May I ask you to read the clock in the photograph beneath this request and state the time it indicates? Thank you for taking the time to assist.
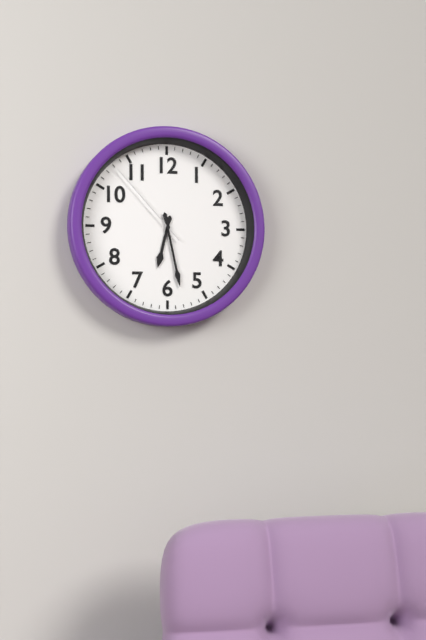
6:28:53
